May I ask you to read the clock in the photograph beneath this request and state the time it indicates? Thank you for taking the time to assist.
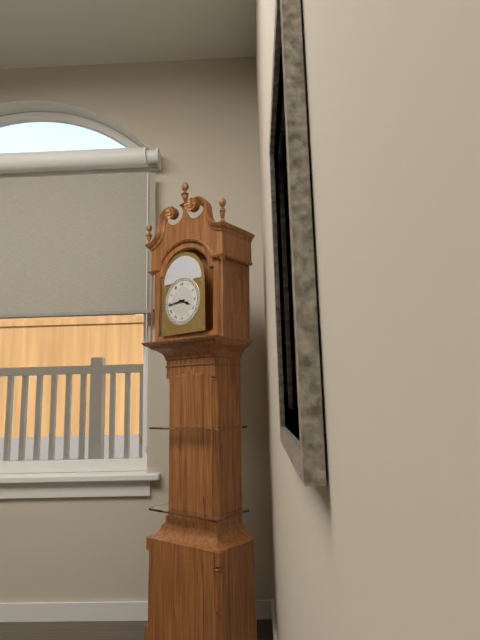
3:44
